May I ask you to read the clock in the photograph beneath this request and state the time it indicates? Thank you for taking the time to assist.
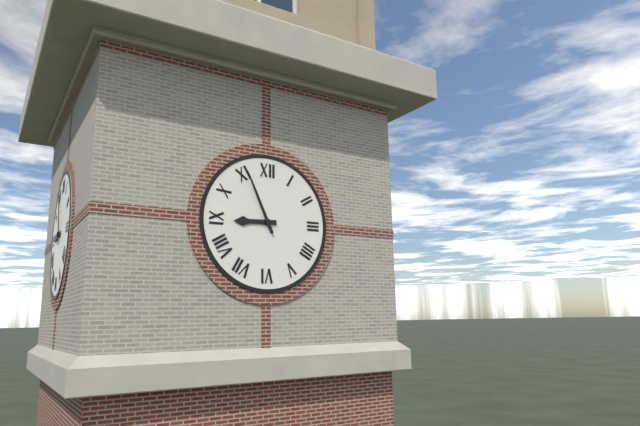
8:56
